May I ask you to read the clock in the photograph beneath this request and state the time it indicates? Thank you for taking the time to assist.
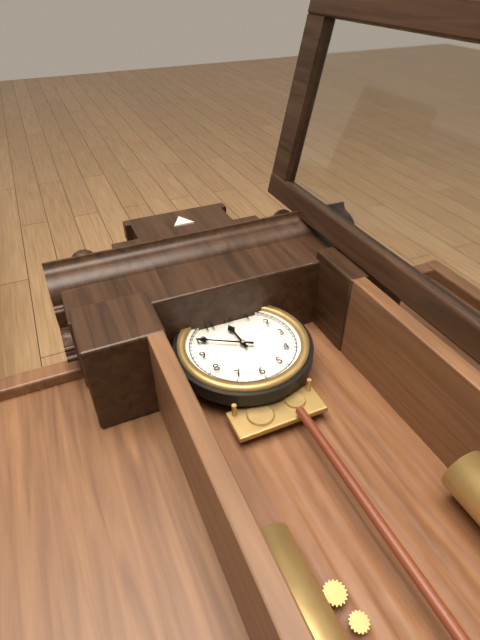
11:50
